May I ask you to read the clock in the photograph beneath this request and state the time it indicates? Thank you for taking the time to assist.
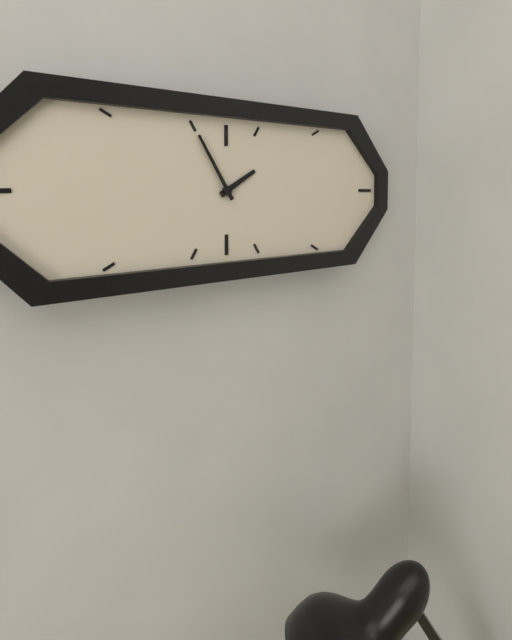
1:55
